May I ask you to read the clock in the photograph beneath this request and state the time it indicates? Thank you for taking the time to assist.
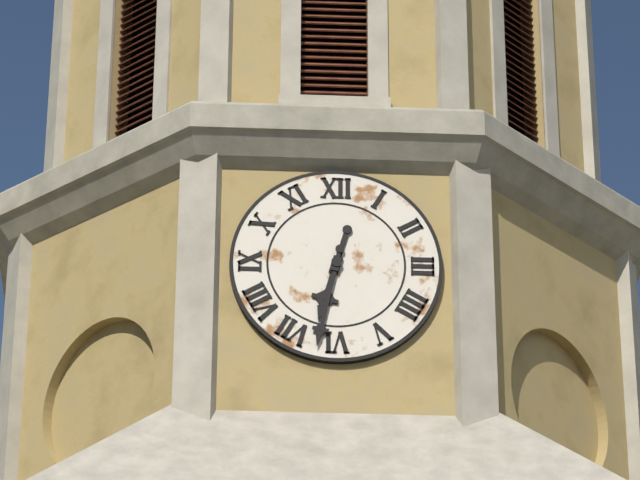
6:32
